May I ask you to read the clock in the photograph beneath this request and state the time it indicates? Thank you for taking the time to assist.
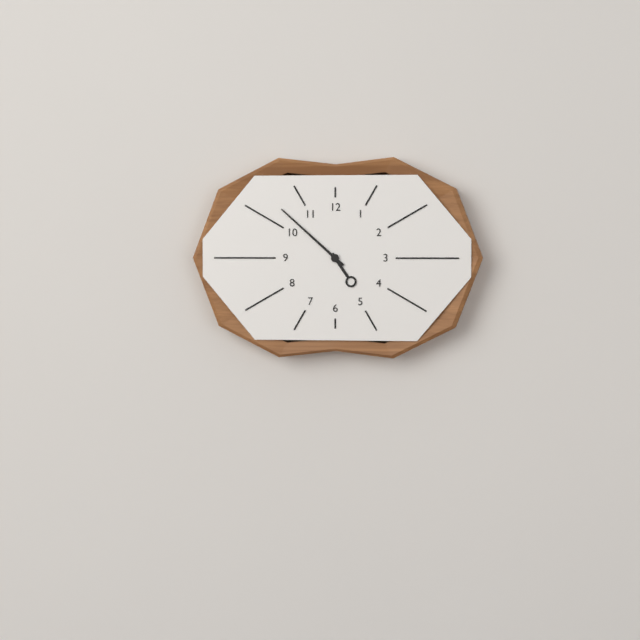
4:52
